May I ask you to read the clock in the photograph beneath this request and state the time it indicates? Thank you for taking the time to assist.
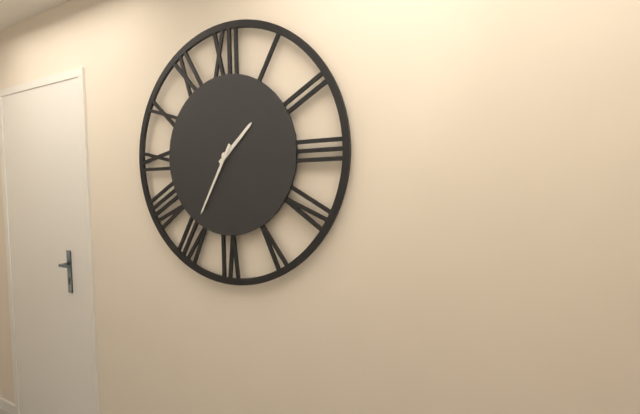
1:35
